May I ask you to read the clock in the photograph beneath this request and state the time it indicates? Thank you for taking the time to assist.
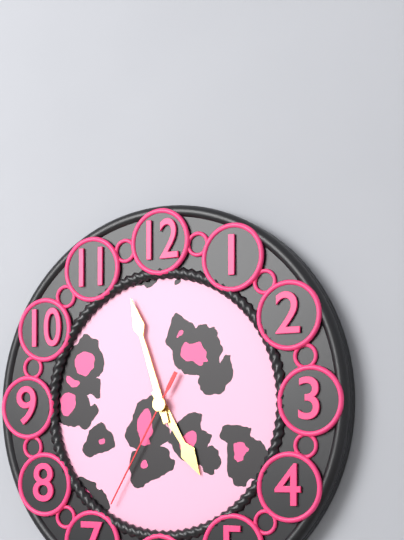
4:57:35
